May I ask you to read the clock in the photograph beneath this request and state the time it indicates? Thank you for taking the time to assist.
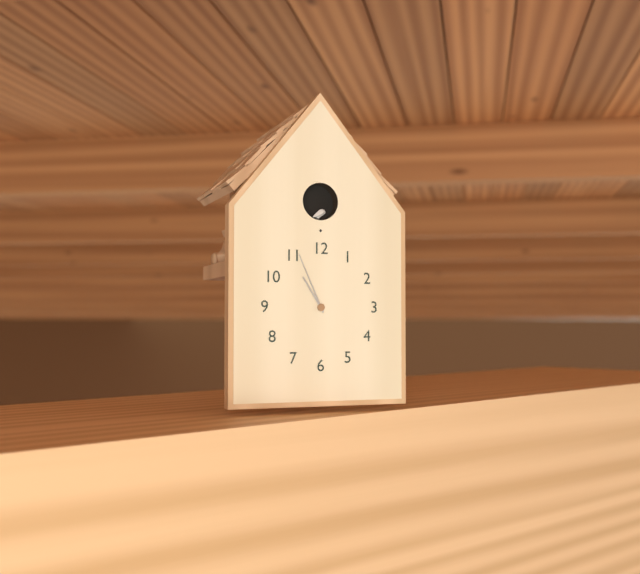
10:56
